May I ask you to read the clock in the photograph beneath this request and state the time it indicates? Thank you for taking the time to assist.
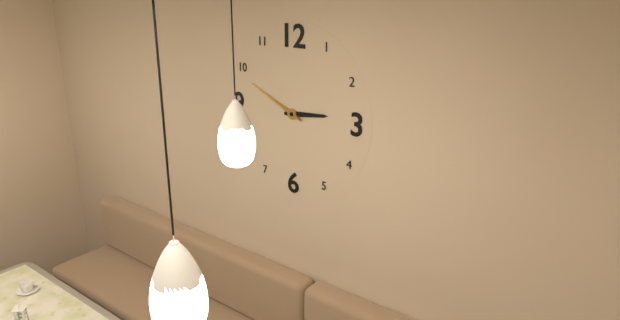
2:49
